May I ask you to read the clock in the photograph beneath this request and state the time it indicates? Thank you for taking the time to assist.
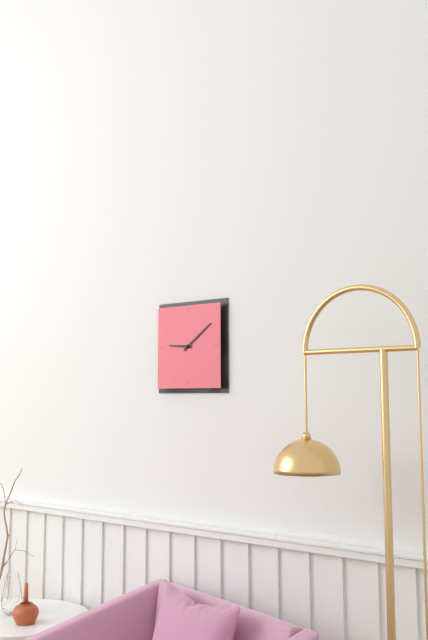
9:09
